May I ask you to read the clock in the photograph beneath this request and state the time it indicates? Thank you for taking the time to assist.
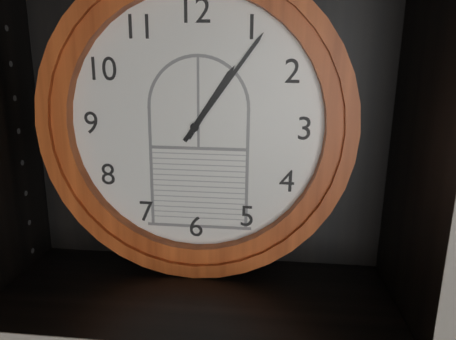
1:06
